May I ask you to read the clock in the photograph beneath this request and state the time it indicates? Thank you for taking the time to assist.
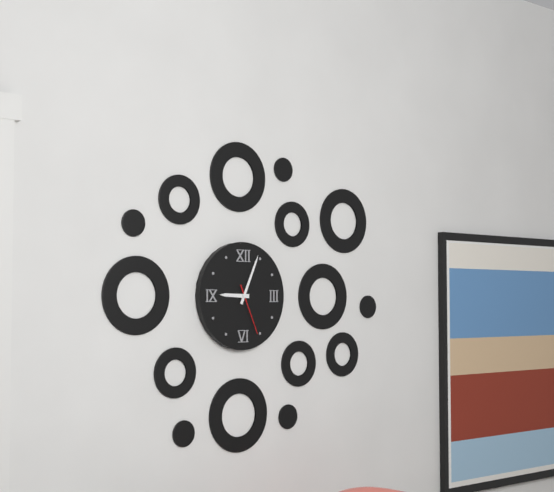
9:04:26
